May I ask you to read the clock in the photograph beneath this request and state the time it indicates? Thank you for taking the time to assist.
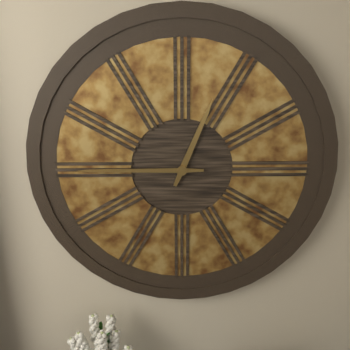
12:45
